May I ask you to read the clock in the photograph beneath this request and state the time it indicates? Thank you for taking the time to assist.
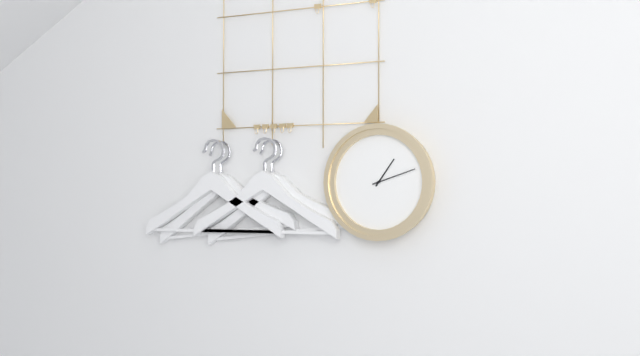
1:12
